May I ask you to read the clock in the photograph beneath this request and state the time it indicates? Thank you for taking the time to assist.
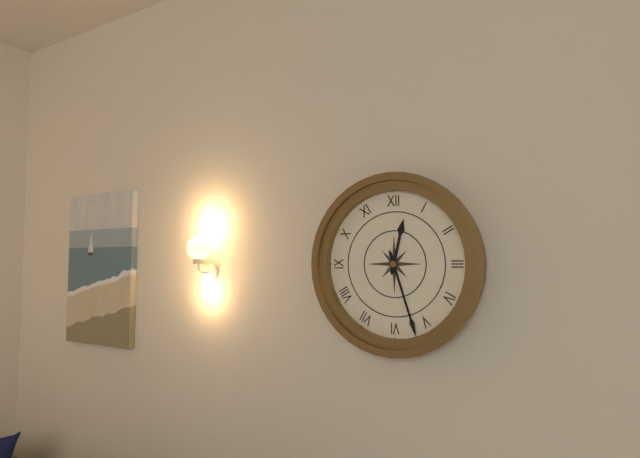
12:27
